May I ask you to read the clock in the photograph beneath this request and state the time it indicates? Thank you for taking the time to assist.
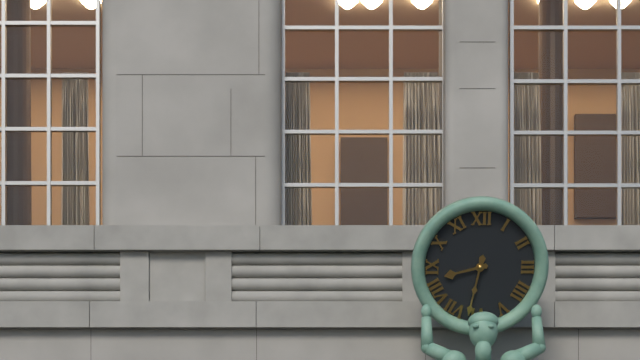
8:32
